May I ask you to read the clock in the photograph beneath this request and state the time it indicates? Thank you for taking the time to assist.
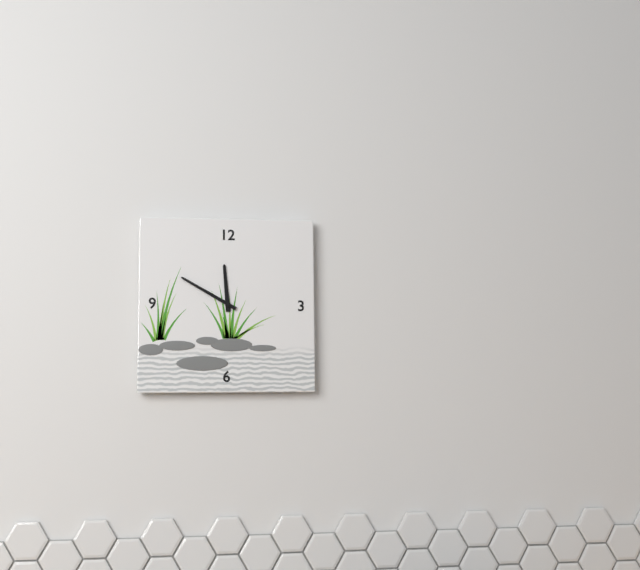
11:50
